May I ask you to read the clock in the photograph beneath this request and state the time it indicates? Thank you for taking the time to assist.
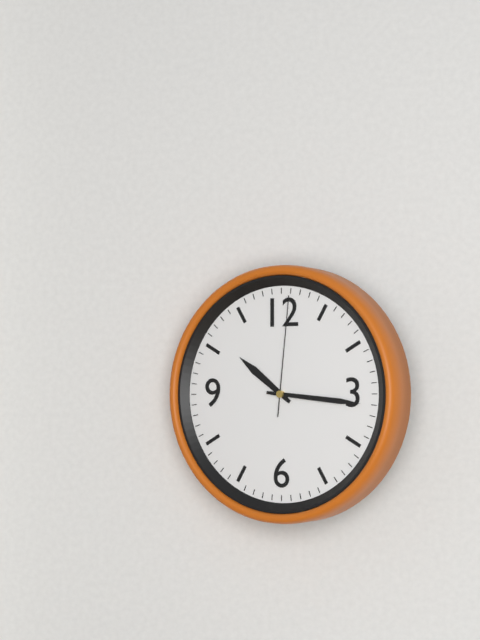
10:16:01
